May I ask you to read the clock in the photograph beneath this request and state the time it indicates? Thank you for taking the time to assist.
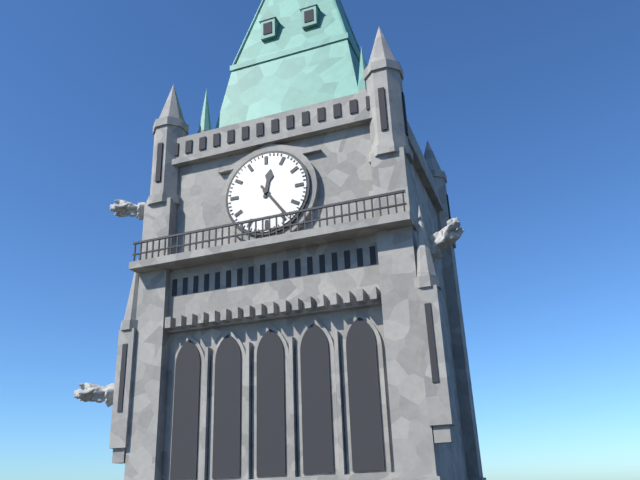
12:24
